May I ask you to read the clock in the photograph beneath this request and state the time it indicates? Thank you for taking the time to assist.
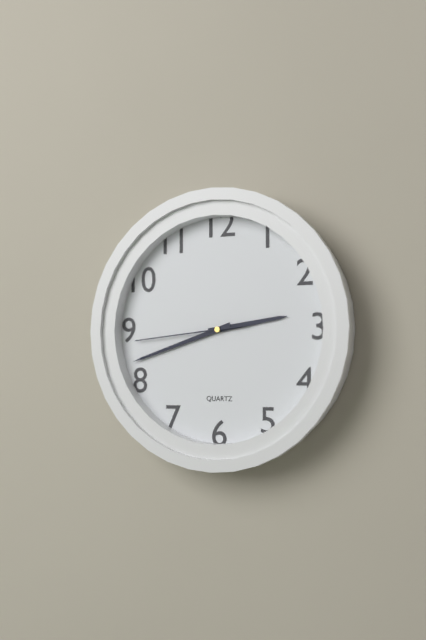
2:42:44
